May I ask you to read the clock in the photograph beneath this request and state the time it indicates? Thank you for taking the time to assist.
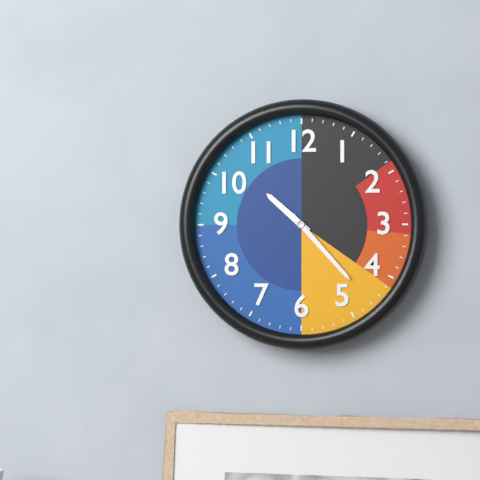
10:23
